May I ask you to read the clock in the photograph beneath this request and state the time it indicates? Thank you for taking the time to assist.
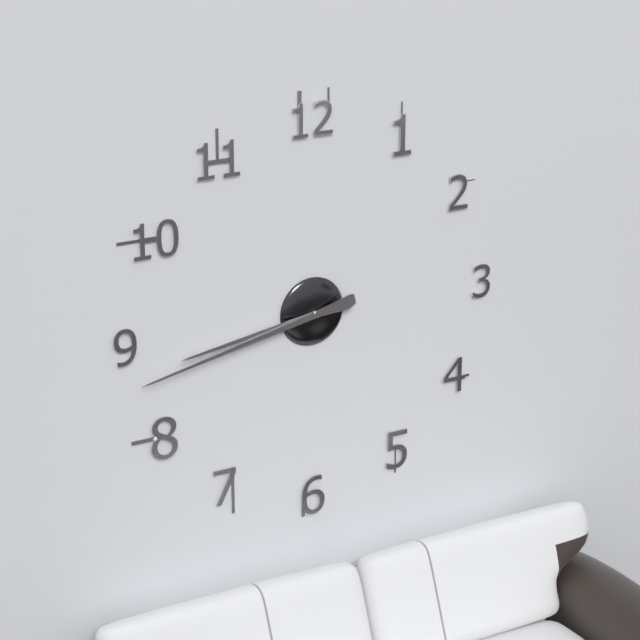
8:43
